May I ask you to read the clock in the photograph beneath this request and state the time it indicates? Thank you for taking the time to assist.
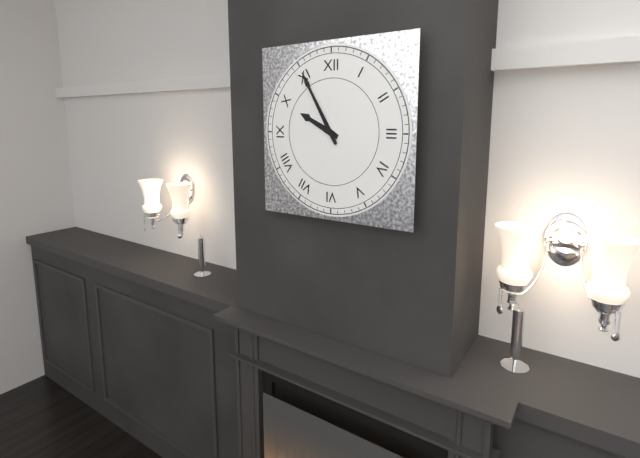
9:55
